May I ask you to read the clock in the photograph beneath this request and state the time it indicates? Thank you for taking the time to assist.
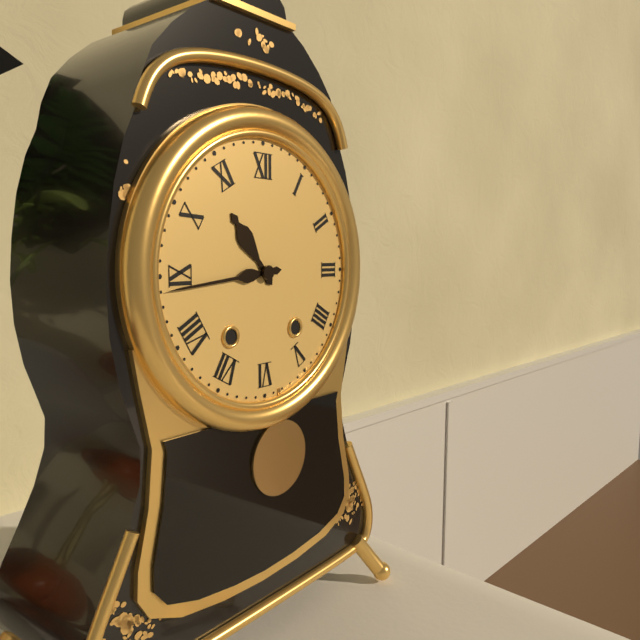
10:44
